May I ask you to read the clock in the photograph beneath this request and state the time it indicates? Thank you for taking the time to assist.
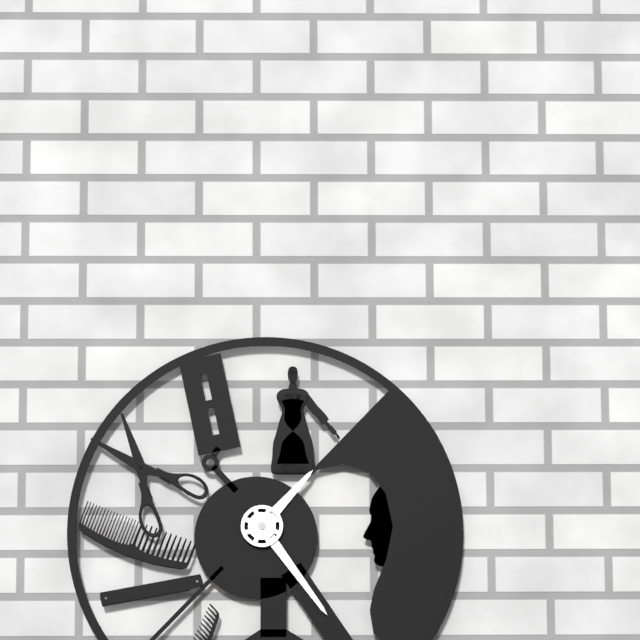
1:24
